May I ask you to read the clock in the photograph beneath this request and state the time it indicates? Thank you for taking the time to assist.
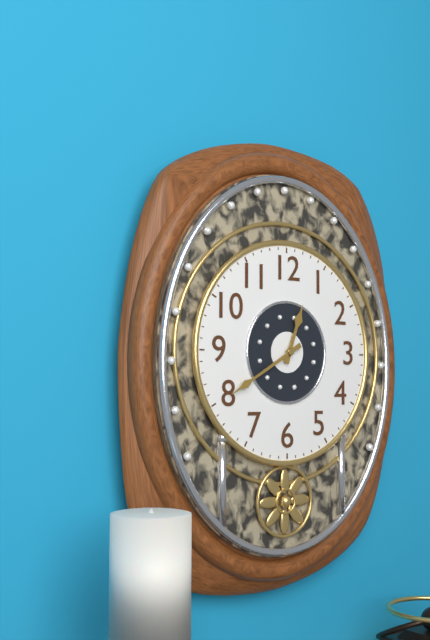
12:40
